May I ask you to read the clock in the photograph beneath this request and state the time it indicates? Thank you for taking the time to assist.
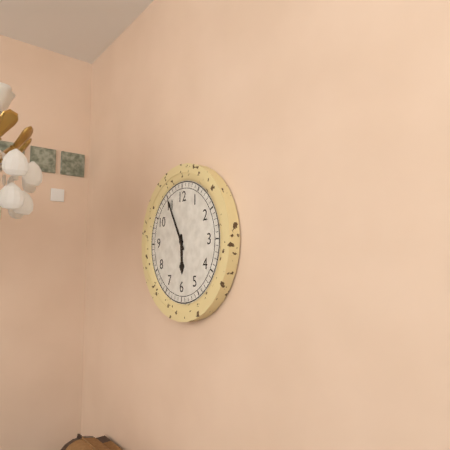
5:55
